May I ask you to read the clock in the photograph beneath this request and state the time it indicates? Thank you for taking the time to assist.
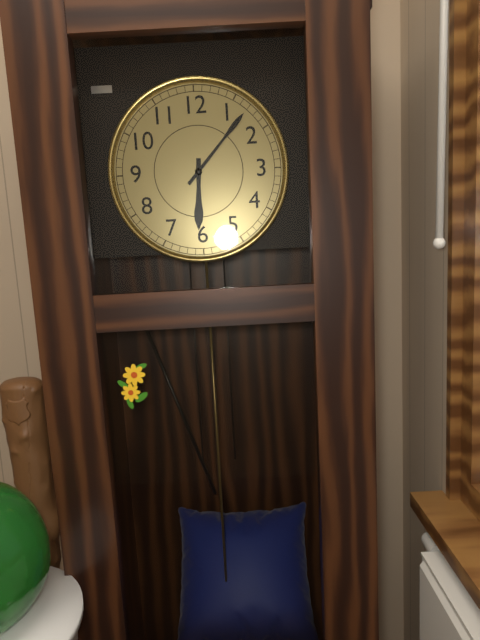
6:07
